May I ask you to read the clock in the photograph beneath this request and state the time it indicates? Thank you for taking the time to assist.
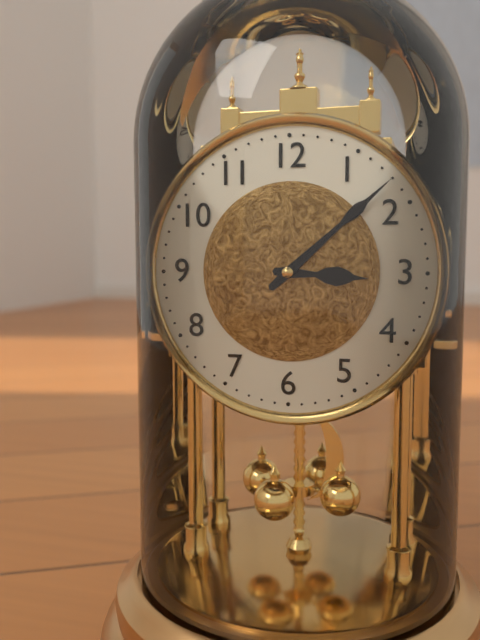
3:08
